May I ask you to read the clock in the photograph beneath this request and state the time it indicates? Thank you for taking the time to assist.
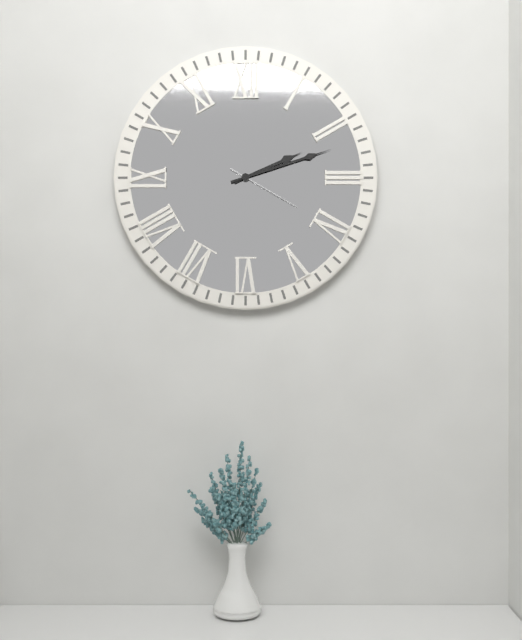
2:12:20
